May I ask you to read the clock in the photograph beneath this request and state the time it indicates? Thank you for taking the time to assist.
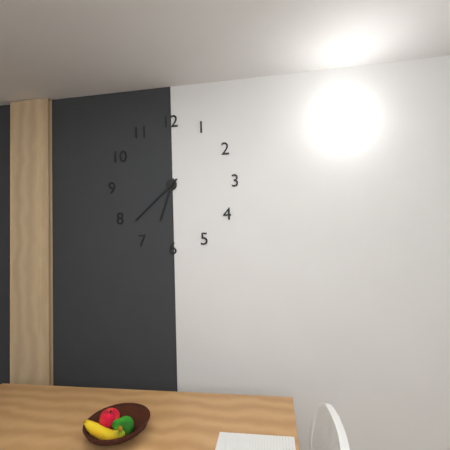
6:38
